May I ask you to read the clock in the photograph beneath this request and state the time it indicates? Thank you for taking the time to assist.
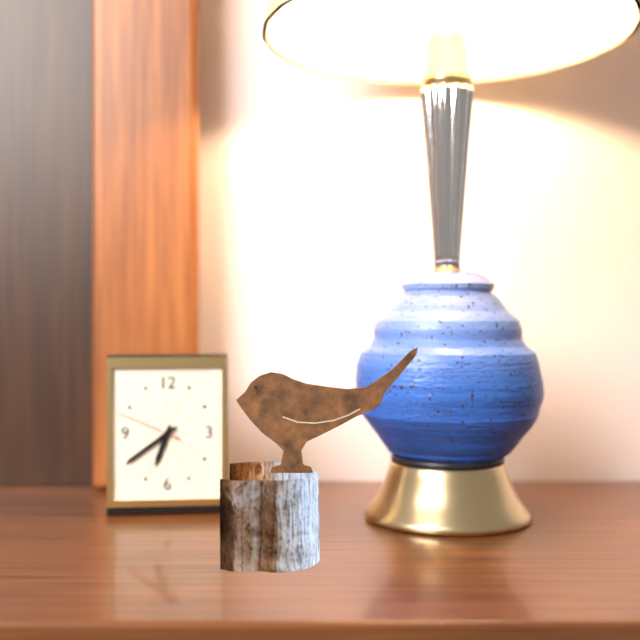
6:39:49
